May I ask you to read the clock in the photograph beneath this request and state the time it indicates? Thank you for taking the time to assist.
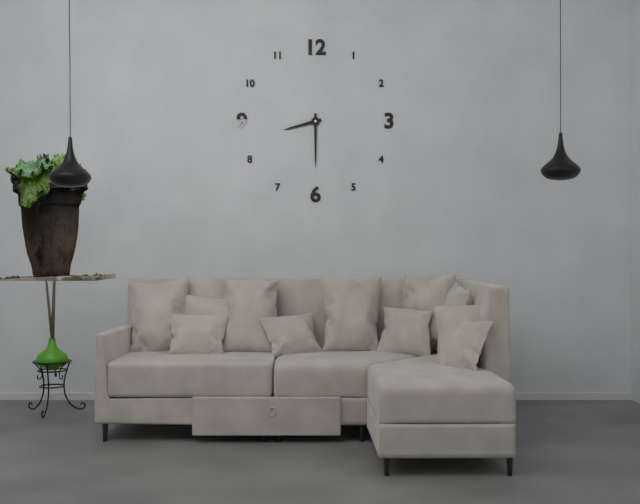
8:30
